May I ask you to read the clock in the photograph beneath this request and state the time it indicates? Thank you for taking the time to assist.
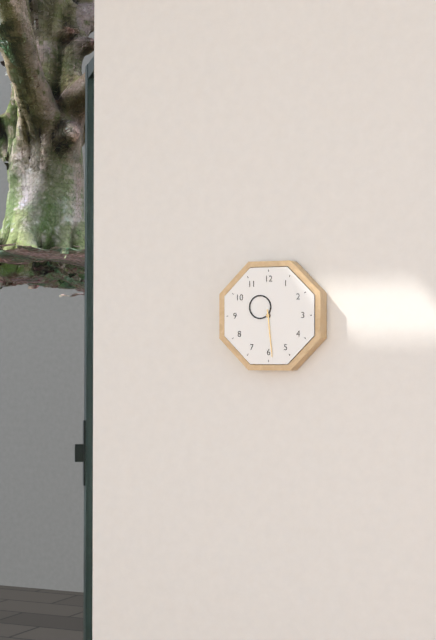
10:29
